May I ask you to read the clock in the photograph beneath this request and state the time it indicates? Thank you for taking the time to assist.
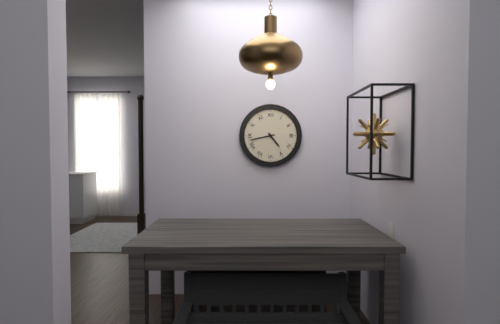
4:43
